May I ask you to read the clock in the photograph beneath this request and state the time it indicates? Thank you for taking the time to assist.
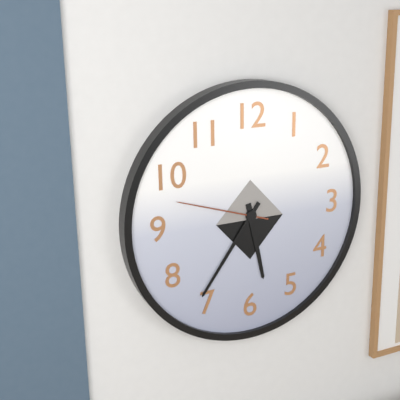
5:36:48
